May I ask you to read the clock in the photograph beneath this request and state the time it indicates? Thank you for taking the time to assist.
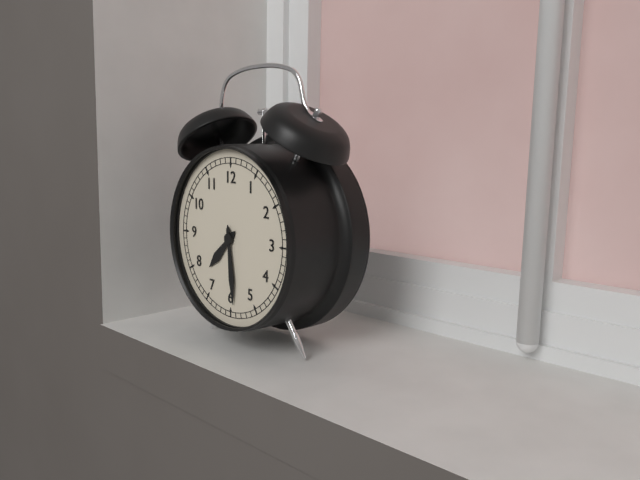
7:29
